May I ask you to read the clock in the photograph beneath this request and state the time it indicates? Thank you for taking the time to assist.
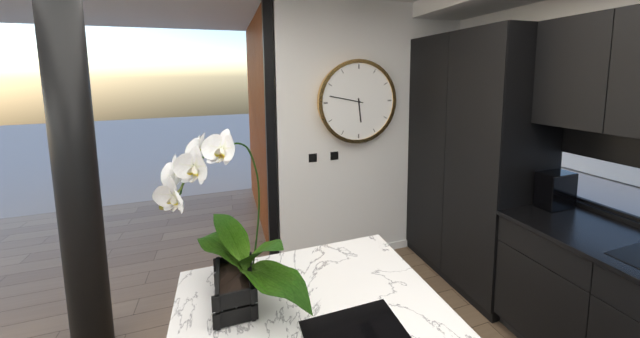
5:47
